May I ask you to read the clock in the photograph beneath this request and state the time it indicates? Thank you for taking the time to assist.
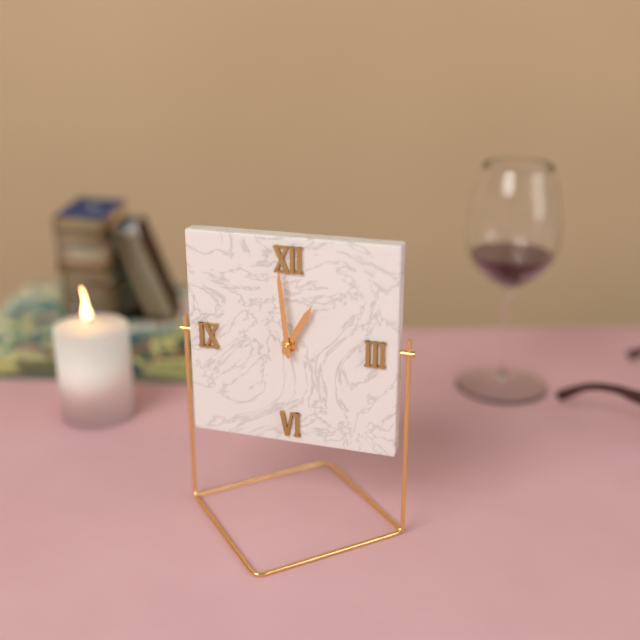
12:59
